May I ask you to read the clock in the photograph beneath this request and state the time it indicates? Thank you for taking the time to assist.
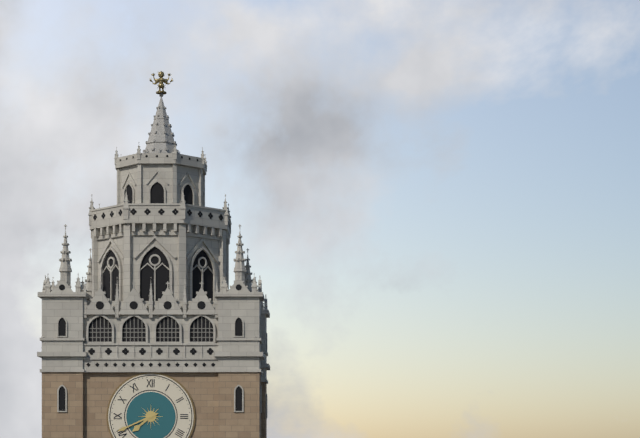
7:41
